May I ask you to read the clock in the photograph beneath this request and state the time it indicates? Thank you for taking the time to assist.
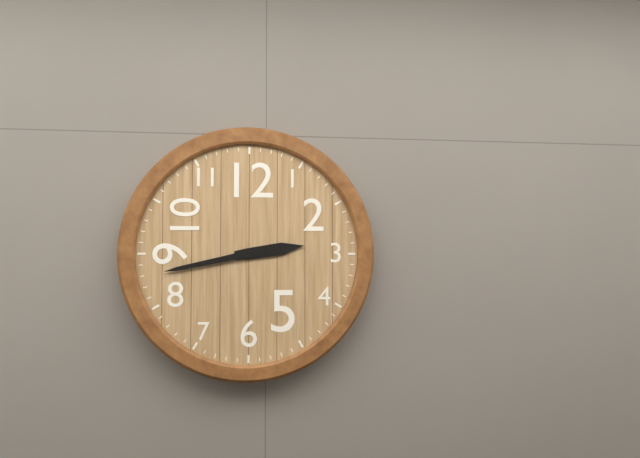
2:43
